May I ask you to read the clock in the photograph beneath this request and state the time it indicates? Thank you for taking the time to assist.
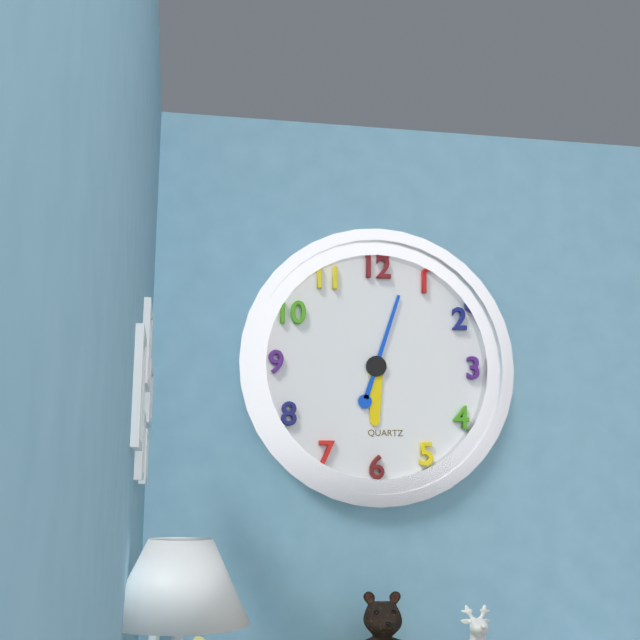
6:03
